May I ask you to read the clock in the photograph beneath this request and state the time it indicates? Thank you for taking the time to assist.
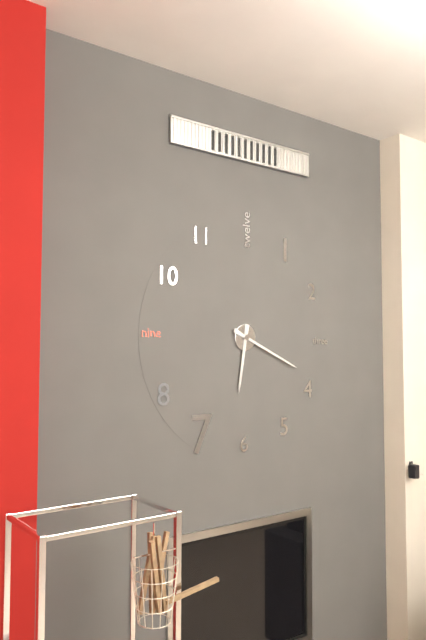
6:19
